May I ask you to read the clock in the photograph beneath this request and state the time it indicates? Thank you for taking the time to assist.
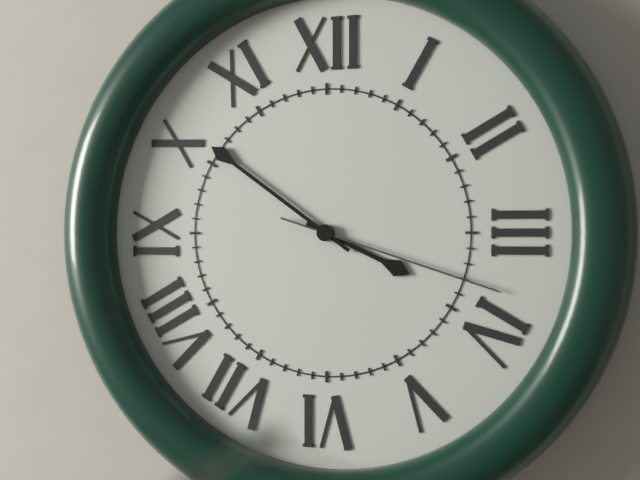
3:51:18
